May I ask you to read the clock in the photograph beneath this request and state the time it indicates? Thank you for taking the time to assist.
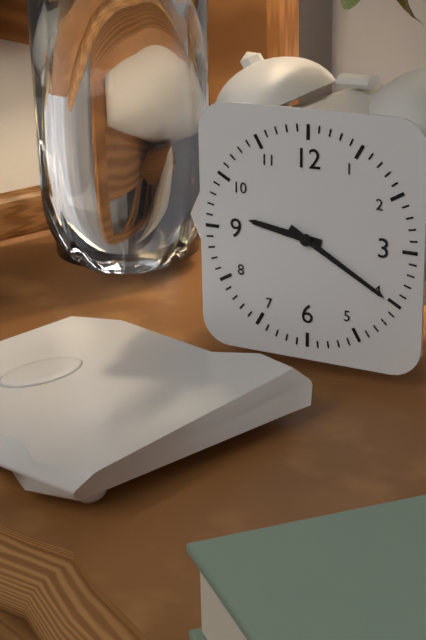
9:20
